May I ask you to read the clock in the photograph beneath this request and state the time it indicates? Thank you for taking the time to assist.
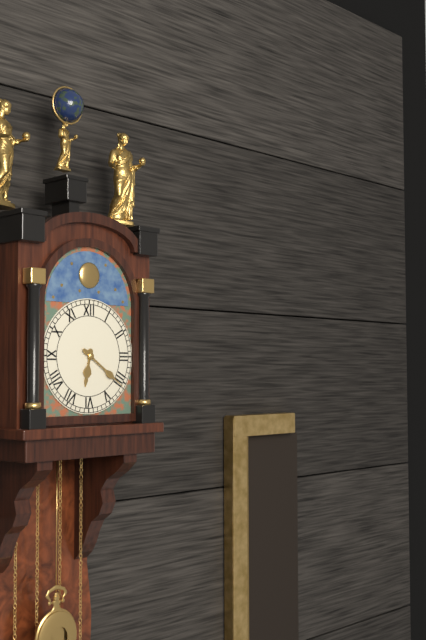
6:21
